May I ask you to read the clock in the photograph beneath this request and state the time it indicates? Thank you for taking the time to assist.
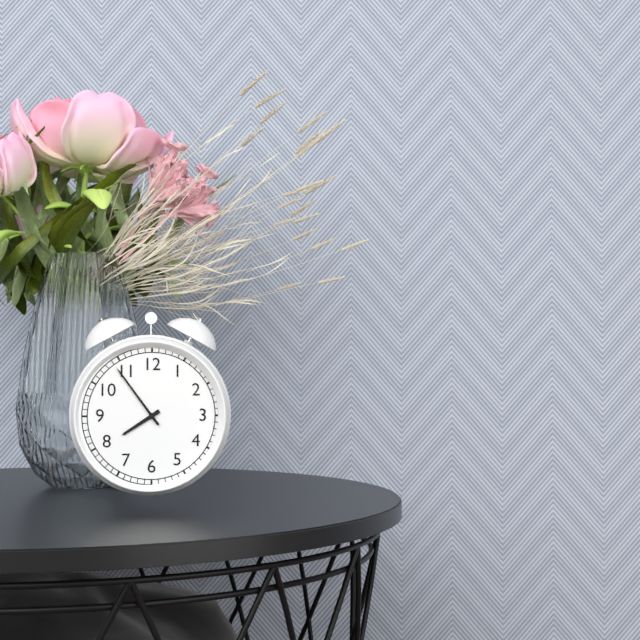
7:54
